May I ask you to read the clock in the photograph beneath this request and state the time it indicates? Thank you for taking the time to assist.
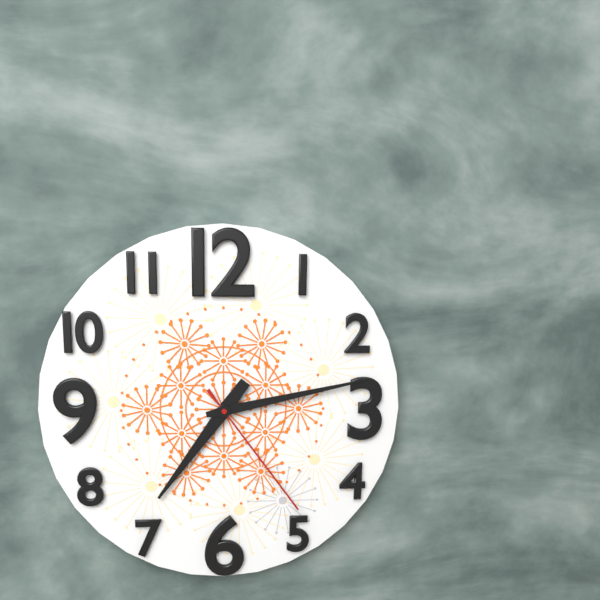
7:13:24
